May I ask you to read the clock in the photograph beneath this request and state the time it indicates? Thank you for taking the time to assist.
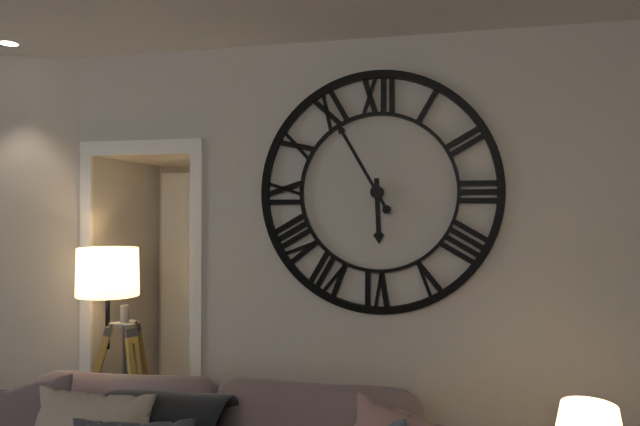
5:55
